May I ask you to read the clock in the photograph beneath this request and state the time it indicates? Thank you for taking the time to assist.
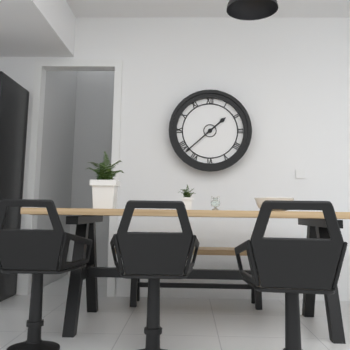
1:38
